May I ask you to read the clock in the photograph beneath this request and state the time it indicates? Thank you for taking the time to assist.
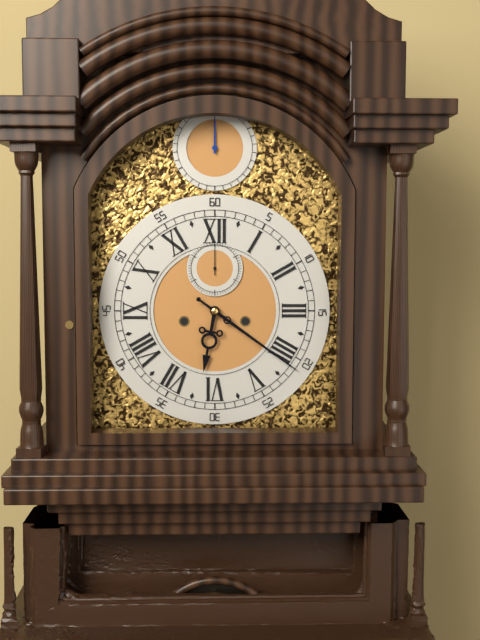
6:21
